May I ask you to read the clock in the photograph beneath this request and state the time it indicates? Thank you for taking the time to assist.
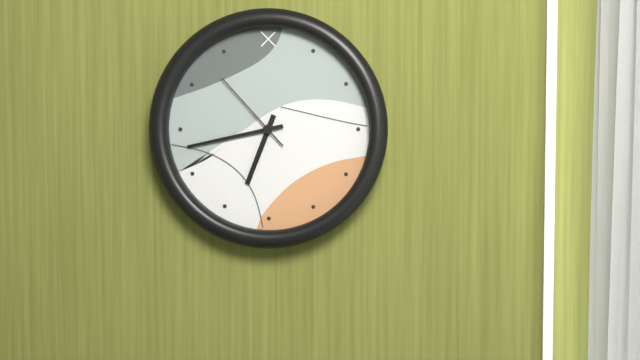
6:43:53
